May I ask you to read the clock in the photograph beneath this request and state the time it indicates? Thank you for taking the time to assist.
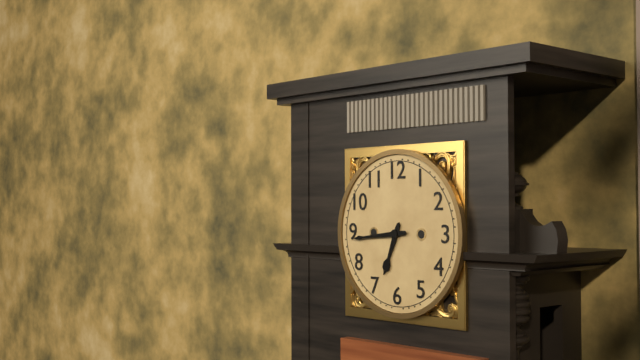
6:44
